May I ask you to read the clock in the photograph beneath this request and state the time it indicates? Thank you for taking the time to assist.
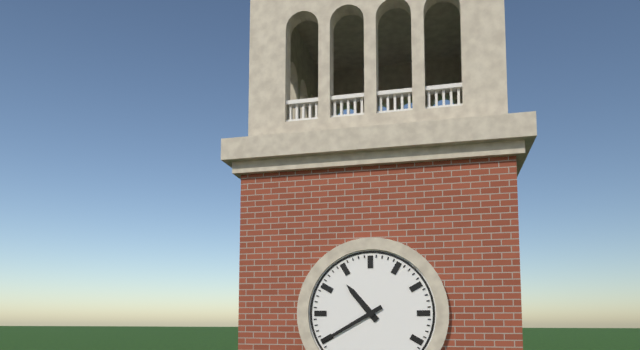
10:40
